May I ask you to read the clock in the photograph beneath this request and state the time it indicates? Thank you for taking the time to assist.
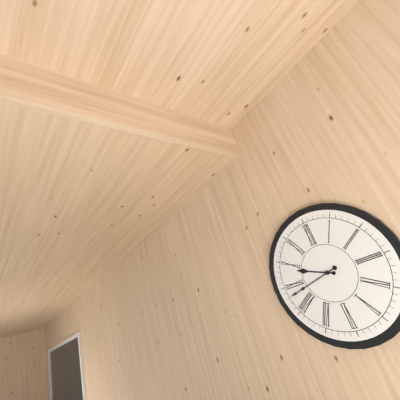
9:43
